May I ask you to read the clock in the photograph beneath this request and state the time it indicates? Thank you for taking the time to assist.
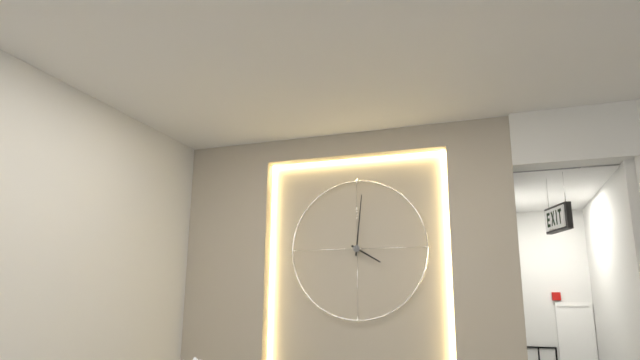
4:01
